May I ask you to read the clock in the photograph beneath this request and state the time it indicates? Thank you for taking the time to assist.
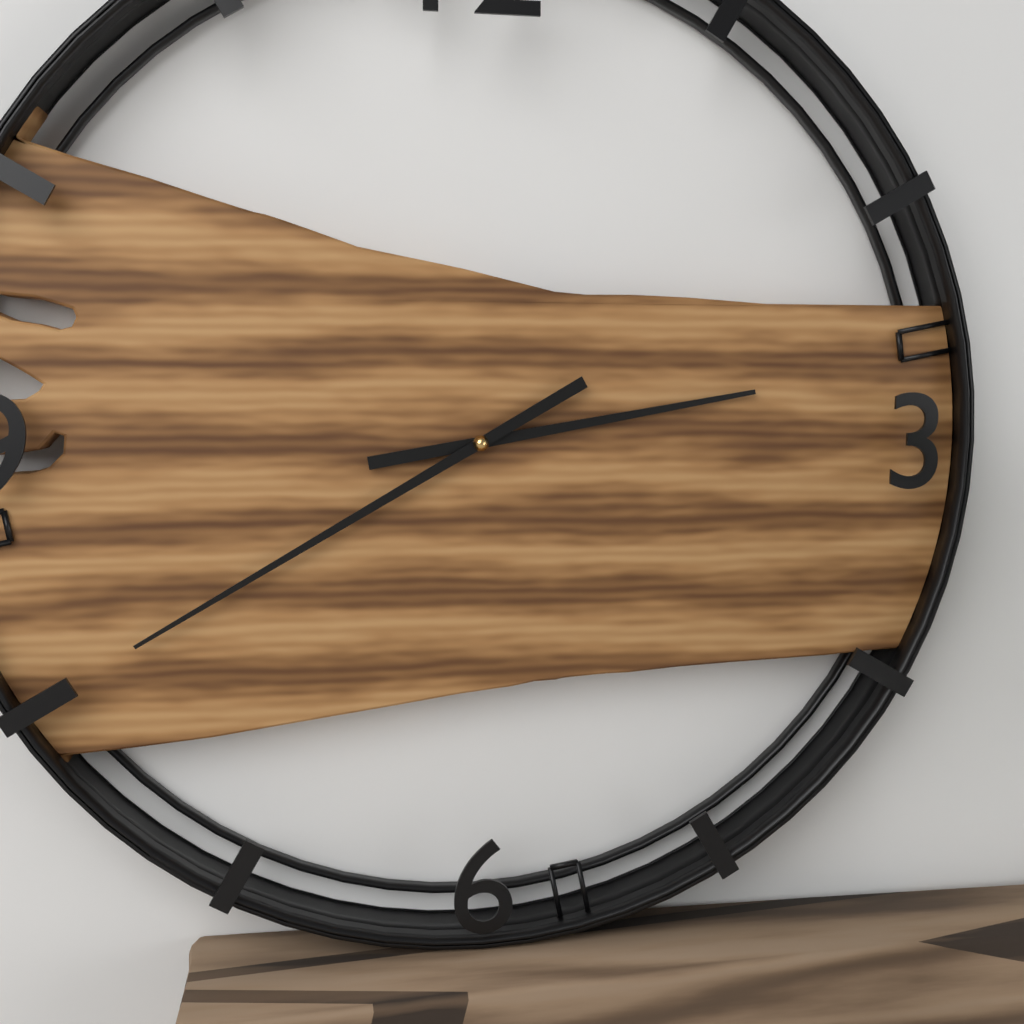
2:40
